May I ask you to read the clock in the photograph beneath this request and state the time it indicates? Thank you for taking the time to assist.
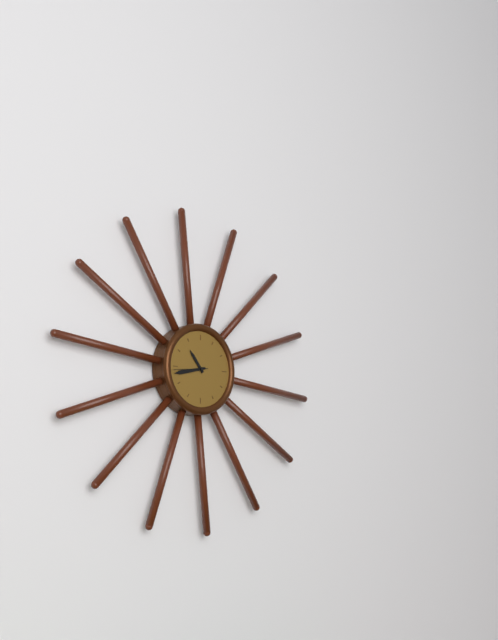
10:43
